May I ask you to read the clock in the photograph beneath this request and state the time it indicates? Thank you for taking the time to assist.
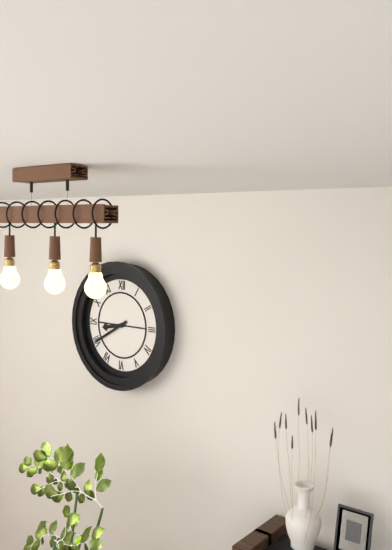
8:40
